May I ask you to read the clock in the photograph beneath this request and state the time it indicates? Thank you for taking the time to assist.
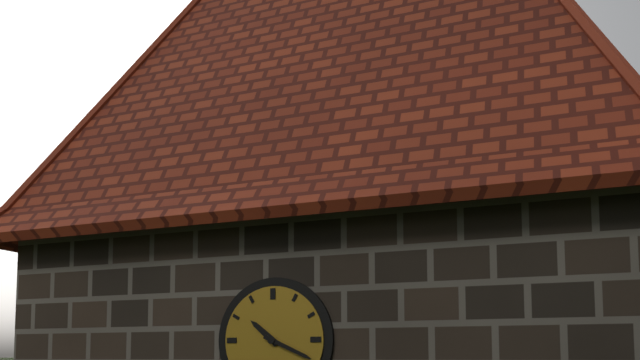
10:19
